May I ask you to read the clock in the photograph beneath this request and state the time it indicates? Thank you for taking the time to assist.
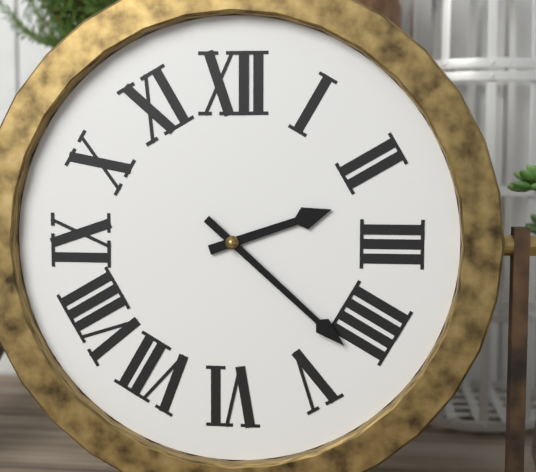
2:22
